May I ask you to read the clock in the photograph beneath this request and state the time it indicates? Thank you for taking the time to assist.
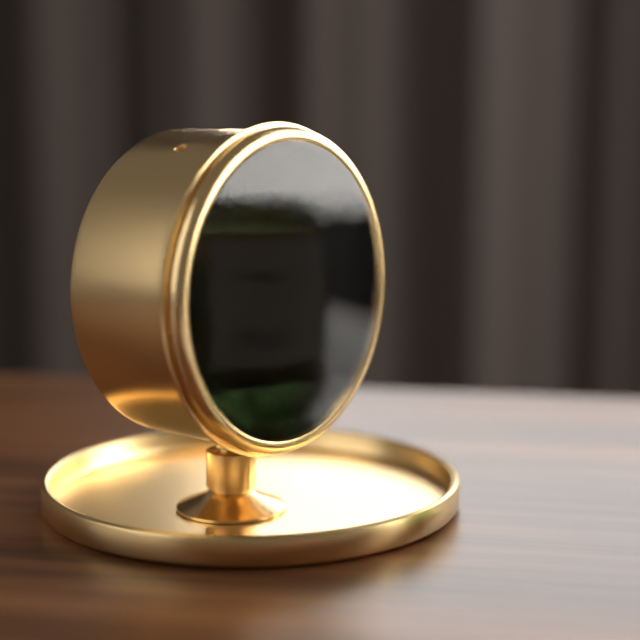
2:37:31
